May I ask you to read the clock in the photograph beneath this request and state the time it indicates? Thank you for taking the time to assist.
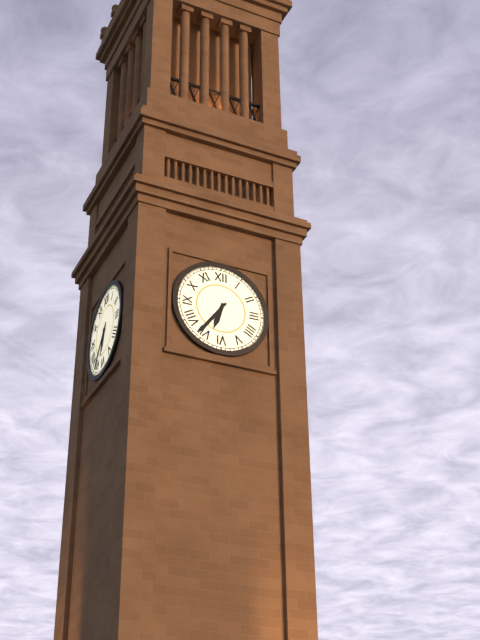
6:36
